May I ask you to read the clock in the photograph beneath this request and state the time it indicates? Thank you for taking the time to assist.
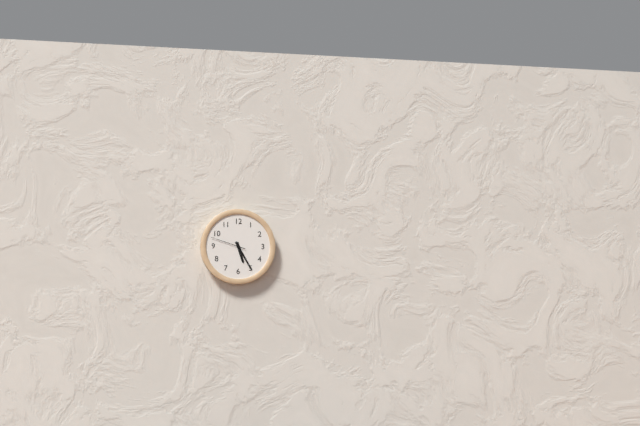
5:25
